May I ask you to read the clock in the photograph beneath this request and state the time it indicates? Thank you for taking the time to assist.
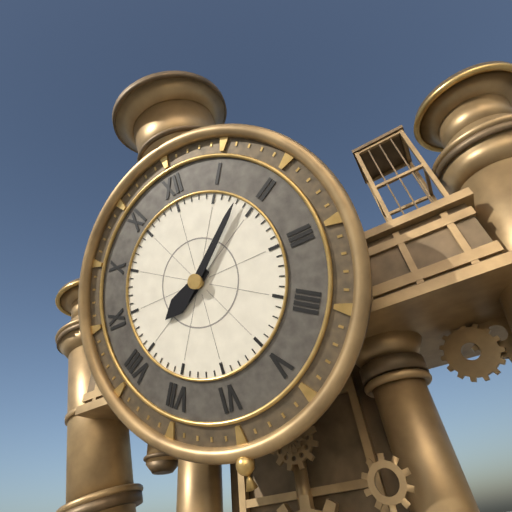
8:08
